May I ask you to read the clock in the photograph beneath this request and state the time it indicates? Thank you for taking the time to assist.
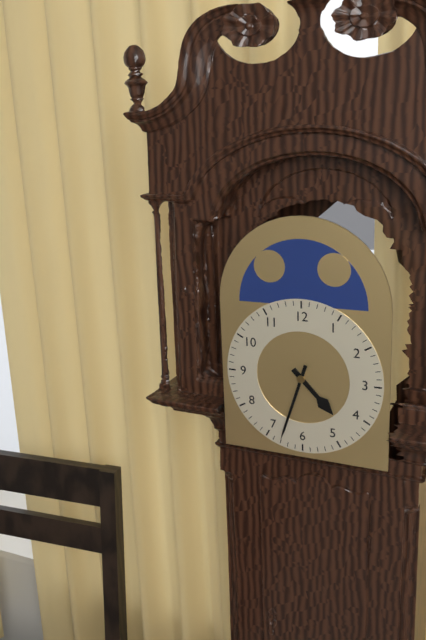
4:33
